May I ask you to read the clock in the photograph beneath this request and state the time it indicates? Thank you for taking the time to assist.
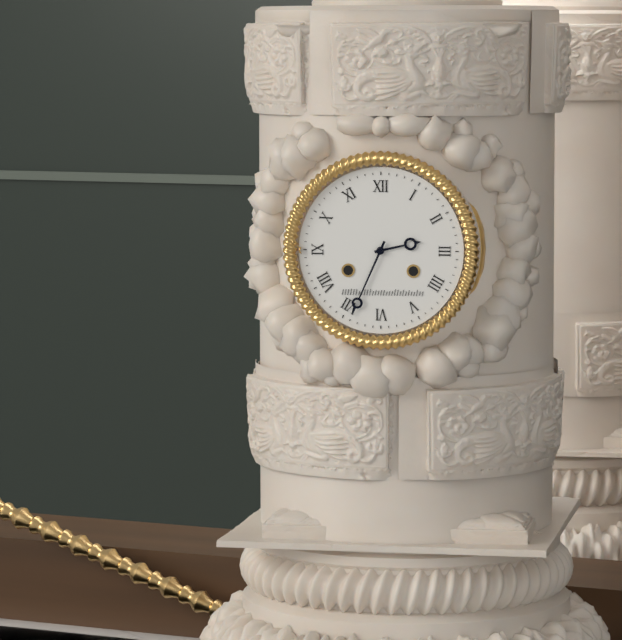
2:34
